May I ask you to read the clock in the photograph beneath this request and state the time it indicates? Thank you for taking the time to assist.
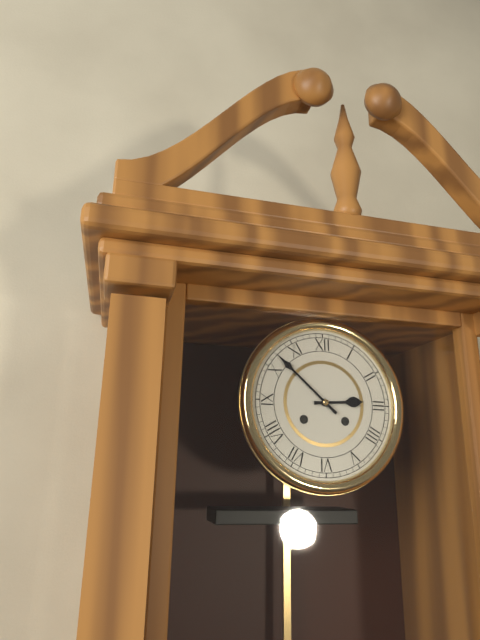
2:52
